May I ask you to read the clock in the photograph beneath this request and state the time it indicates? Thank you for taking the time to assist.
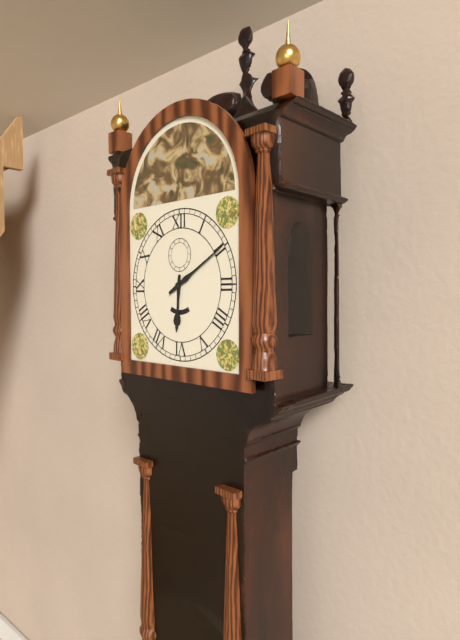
6:10
